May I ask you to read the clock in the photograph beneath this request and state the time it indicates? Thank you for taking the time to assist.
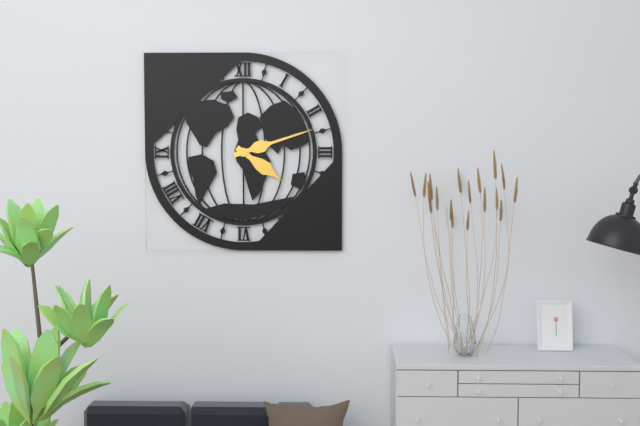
4:12
